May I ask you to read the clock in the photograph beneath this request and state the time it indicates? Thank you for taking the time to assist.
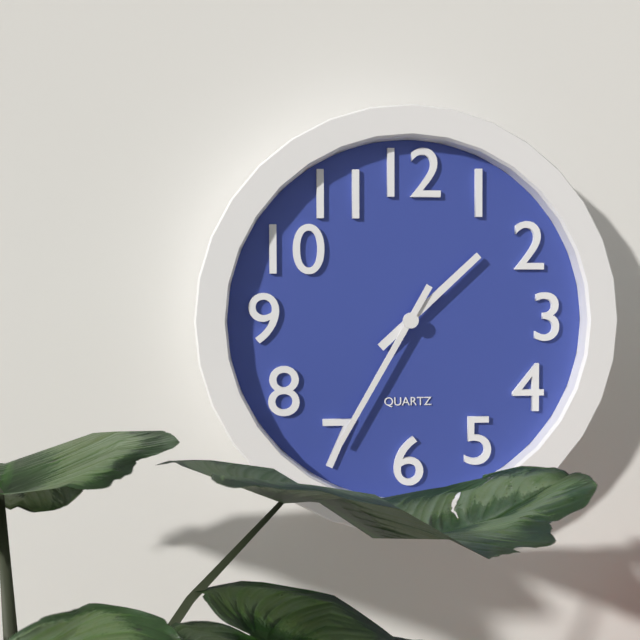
1:35
